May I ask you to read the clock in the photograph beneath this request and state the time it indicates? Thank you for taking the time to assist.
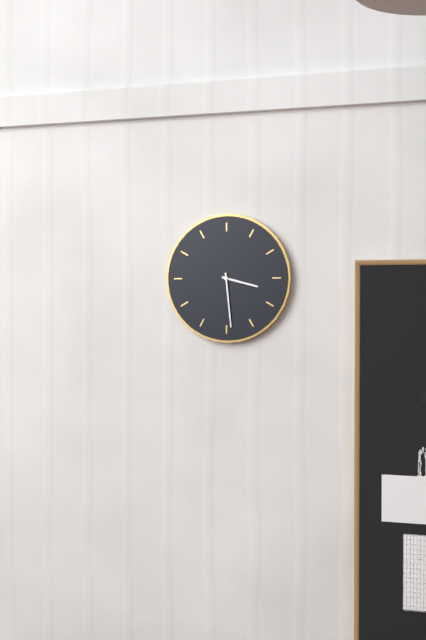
3:29
